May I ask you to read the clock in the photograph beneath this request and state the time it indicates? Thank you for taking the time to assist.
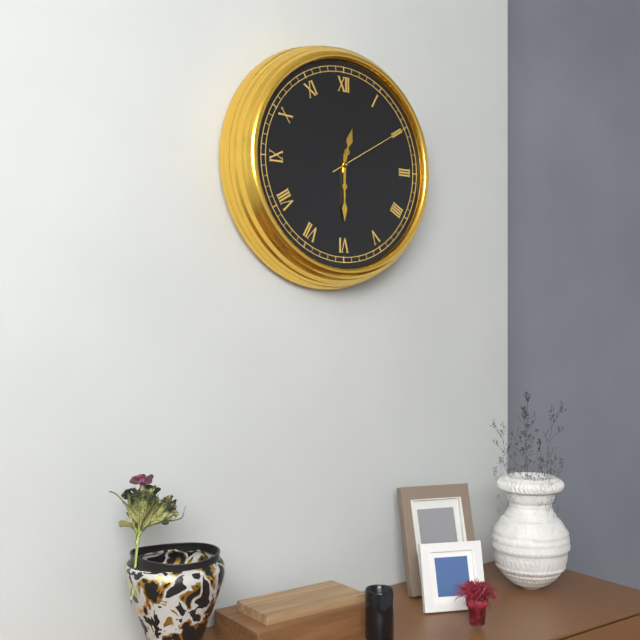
12:30:10
